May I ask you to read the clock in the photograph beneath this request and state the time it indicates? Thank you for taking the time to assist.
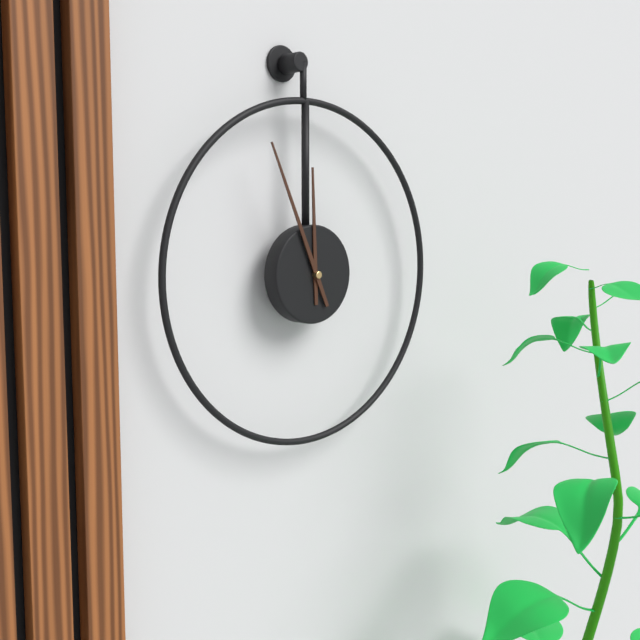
11:56
